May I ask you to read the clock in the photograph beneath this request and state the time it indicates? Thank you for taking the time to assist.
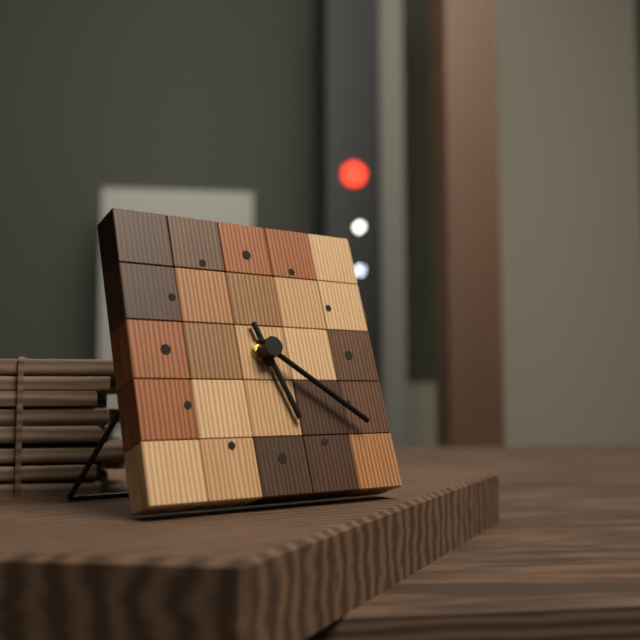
5:21
